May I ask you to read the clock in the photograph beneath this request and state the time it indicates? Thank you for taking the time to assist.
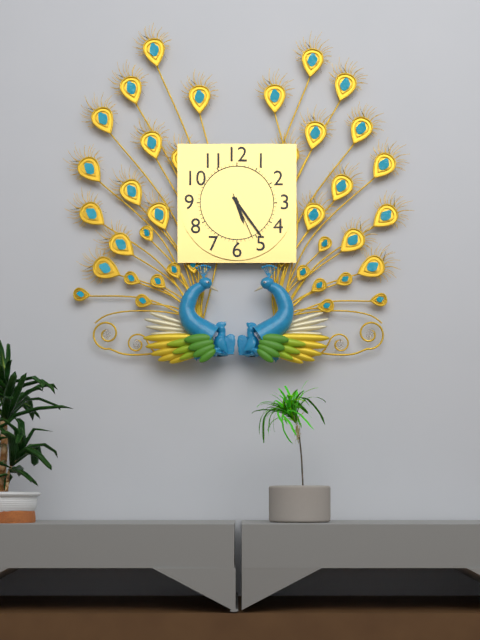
5:24
